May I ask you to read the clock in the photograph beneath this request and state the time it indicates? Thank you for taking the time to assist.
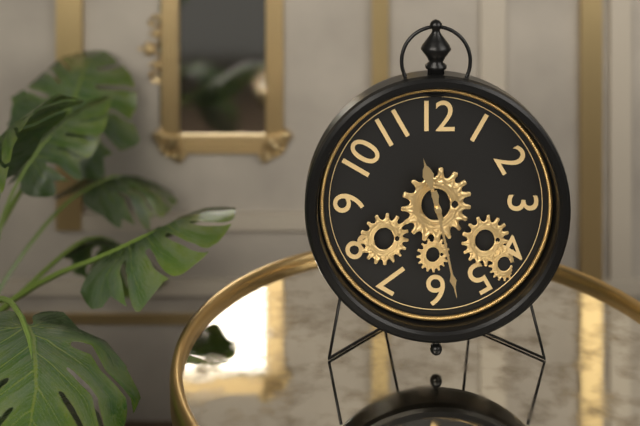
11:28
